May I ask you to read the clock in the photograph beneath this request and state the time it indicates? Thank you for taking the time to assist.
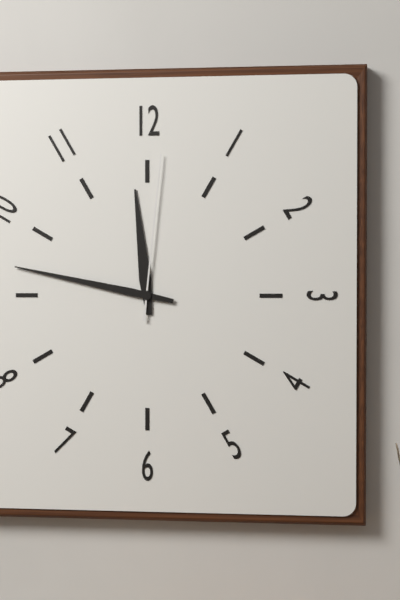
11:47:01
